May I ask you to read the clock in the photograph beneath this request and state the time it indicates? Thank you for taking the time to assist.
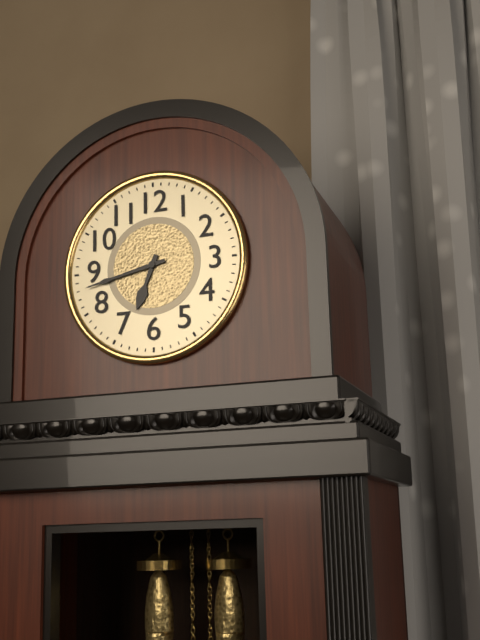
6:43
